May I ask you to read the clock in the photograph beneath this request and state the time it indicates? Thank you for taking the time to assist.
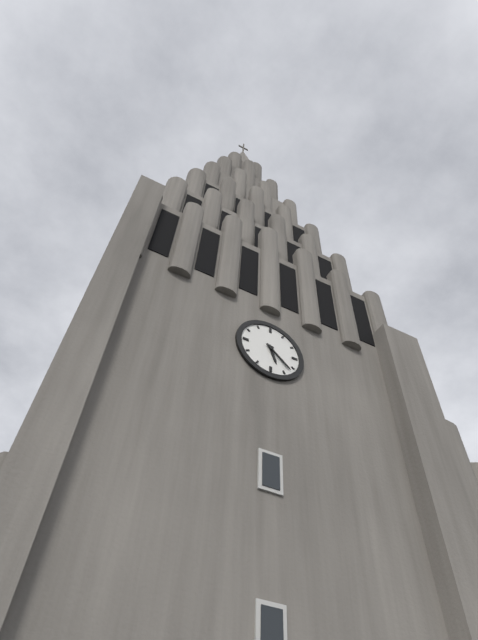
5:22
